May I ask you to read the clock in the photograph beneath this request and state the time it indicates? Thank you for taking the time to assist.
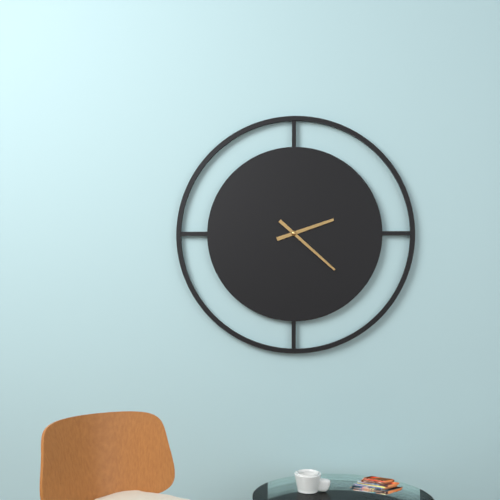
2:22
